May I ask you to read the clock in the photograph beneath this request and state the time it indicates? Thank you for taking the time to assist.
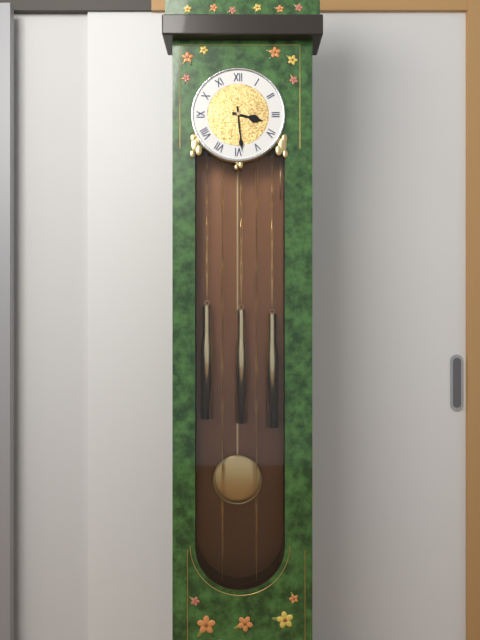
3:29
